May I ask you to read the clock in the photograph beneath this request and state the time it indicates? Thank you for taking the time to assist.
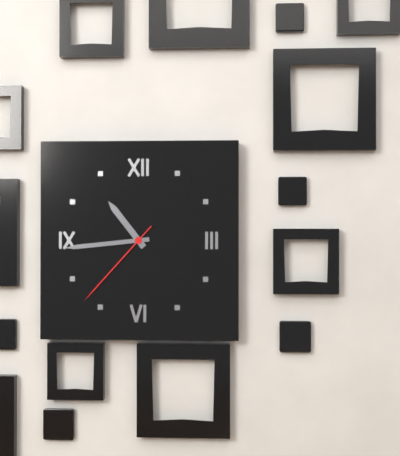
10:44:37
